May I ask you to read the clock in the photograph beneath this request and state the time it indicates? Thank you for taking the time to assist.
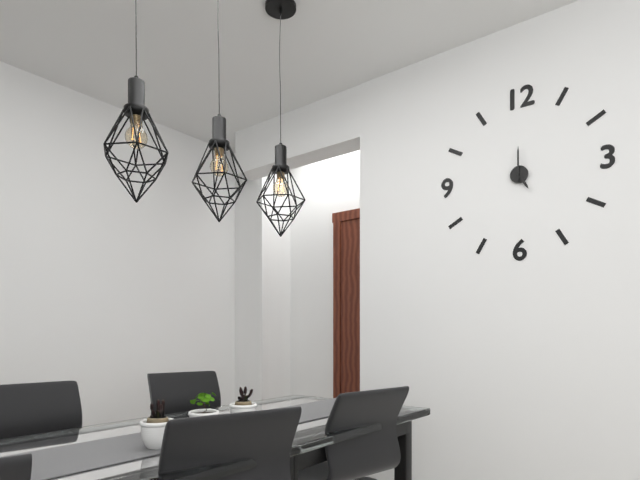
5:00
